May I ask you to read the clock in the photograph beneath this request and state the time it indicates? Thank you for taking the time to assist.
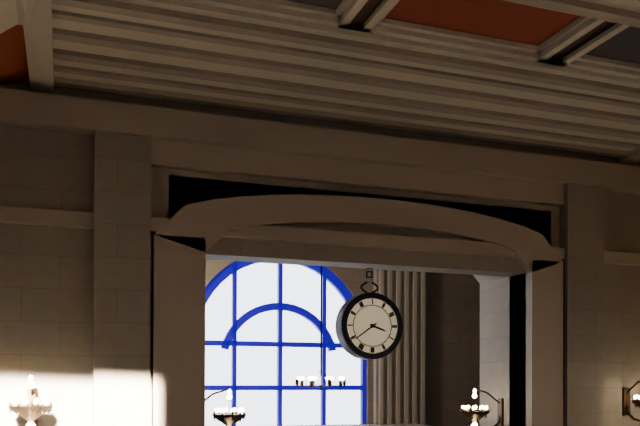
3:39
